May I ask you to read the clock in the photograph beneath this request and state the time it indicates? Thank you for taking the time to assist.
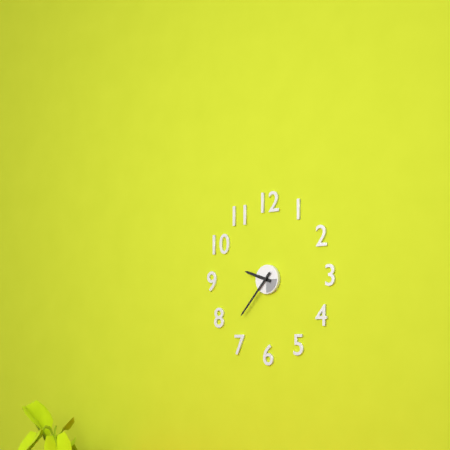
9:37
